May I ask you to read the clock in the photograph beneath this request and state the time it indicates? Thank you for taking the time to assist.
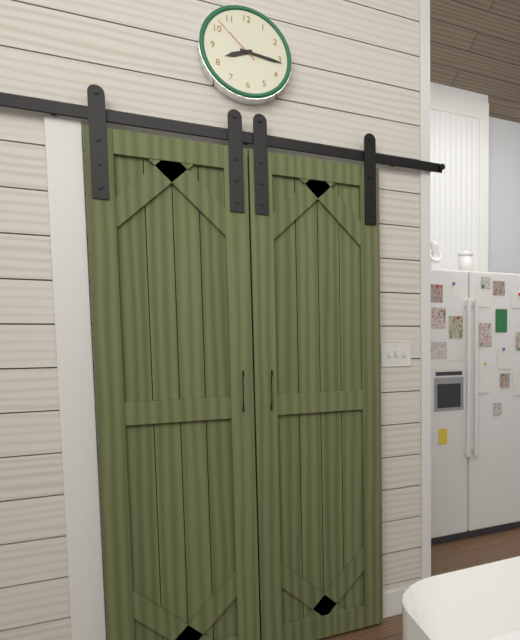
8:16:52
